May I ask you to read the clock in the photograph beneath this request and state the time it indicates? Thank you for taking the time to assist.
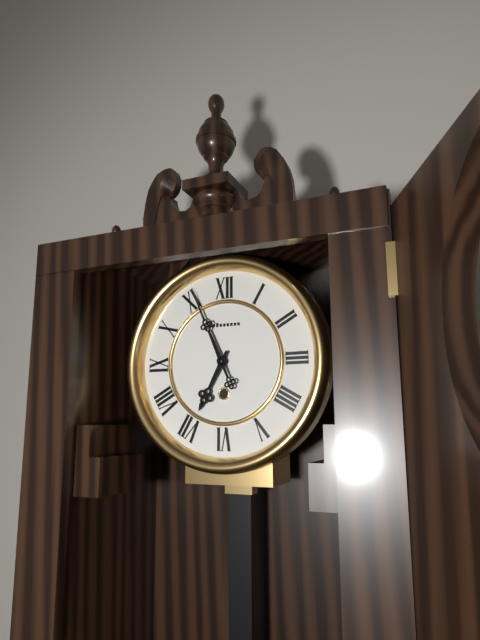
6:56
